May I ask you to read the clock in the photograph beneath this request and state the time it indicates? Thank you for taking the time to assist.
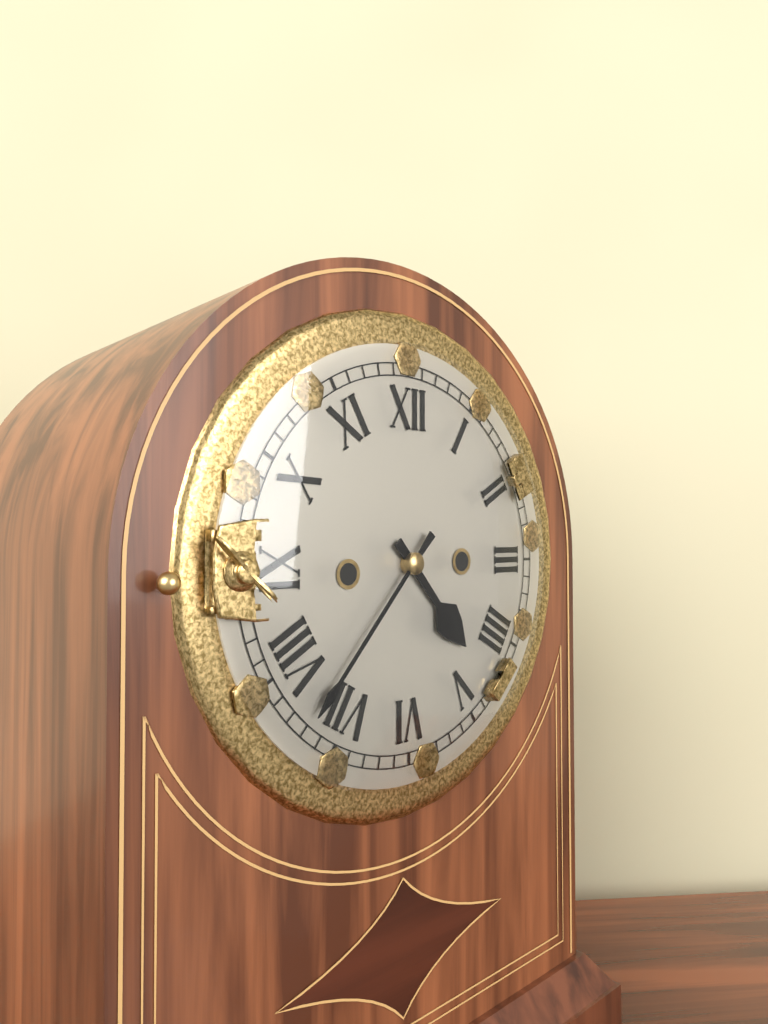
4:37
